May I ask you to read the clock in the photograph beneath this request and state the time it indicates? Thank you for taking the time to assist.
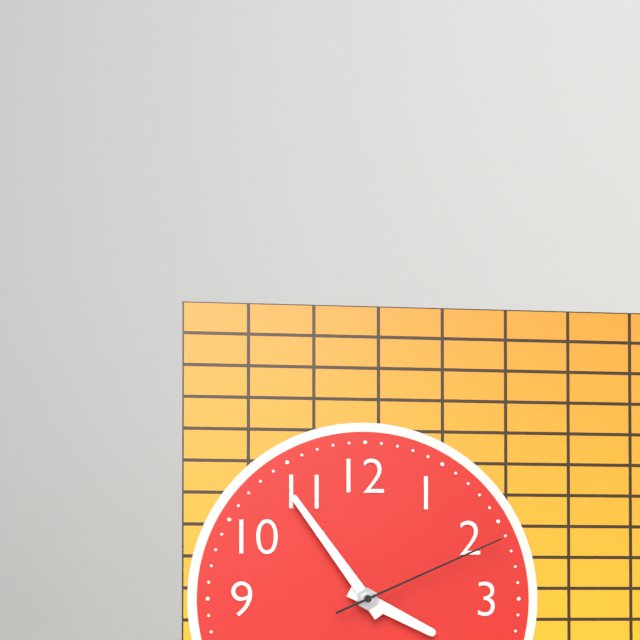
3:54:11
